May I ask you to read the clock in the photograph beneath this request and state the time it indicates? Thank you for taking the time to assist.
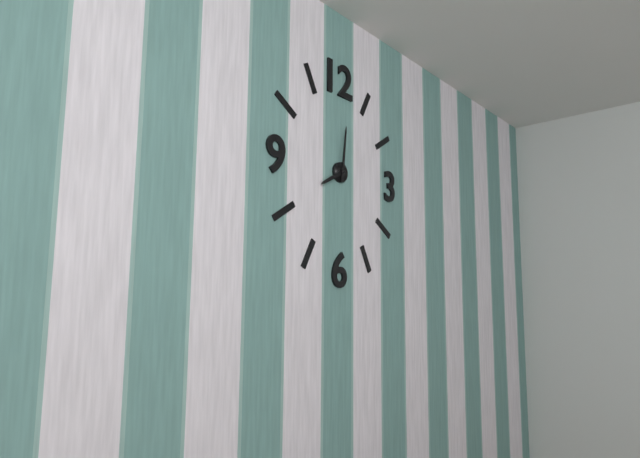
8:01
